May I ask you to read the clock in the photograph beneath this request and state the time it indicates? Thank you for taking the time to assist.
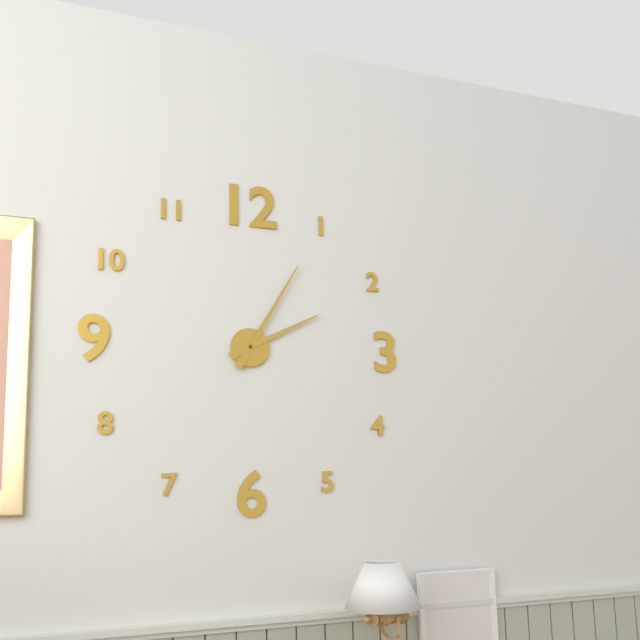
2:05
